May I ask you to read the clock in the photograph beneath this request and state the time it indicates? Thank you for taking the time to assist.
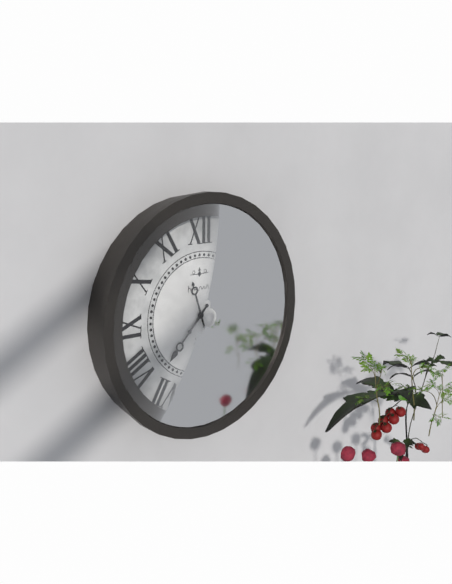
7:27
